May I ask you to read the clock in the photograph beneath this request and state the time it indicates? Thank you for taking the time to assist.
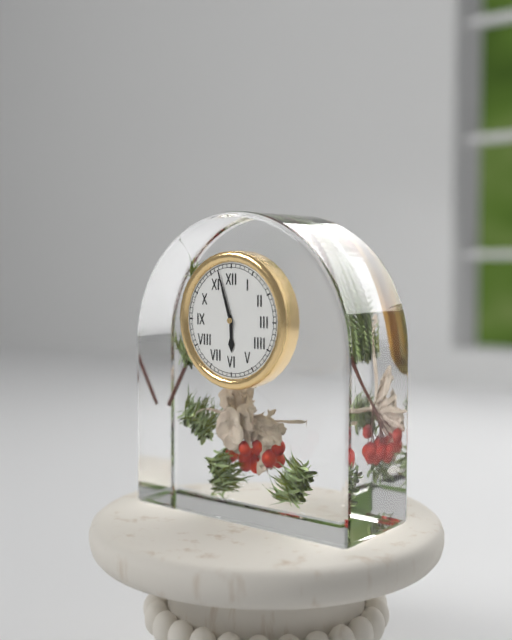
5:57
